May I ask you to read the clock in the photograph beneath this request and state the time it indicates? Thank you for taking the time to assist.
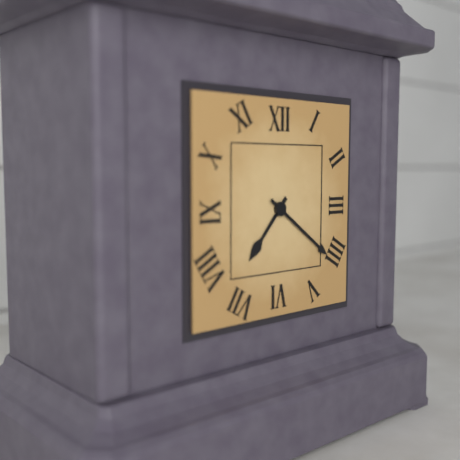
7:21
